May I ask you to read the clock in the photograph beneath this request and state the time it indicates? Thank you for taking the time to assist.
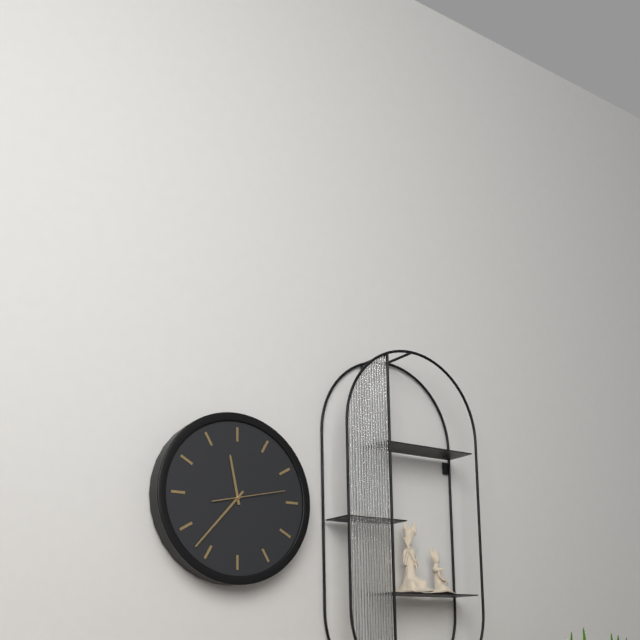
11:37:13
